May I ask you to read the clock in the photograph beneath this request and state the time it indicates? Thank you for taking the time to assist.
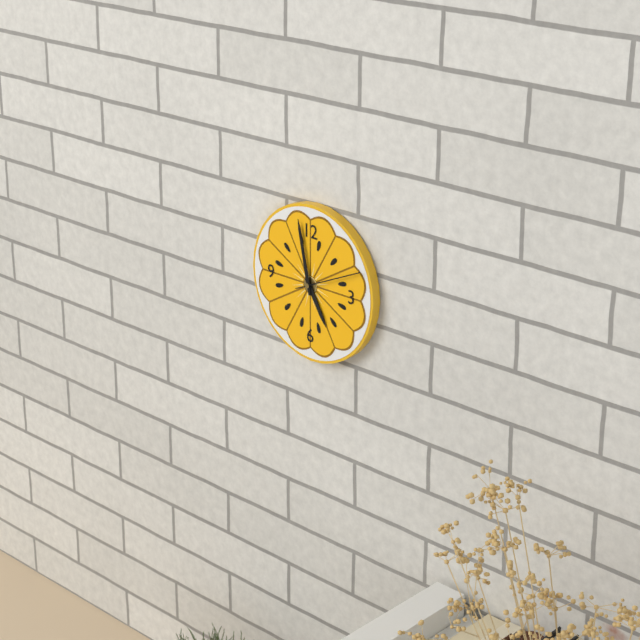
4:58:11
